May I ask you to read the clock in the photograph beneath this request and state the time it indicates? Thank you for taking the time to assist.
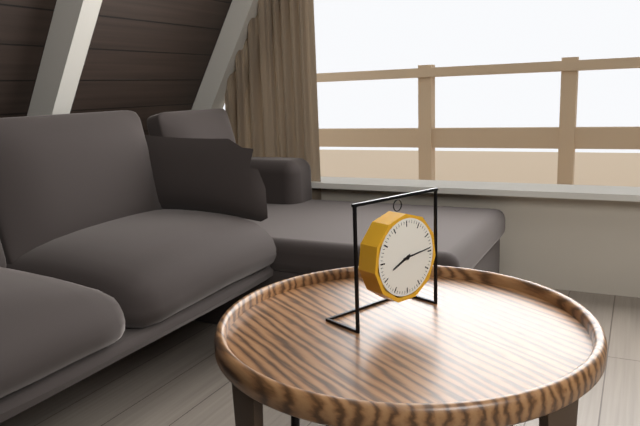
8:14
